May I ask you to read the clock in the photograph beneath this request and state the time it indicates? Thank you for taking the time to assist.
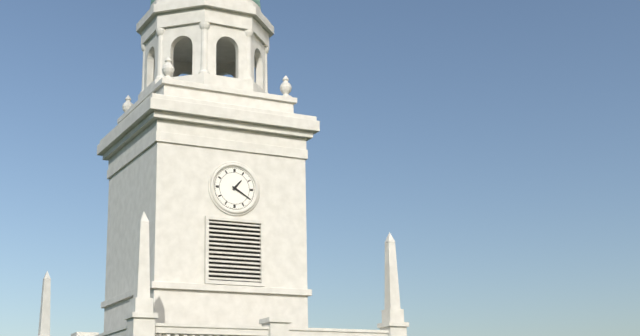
1:20
